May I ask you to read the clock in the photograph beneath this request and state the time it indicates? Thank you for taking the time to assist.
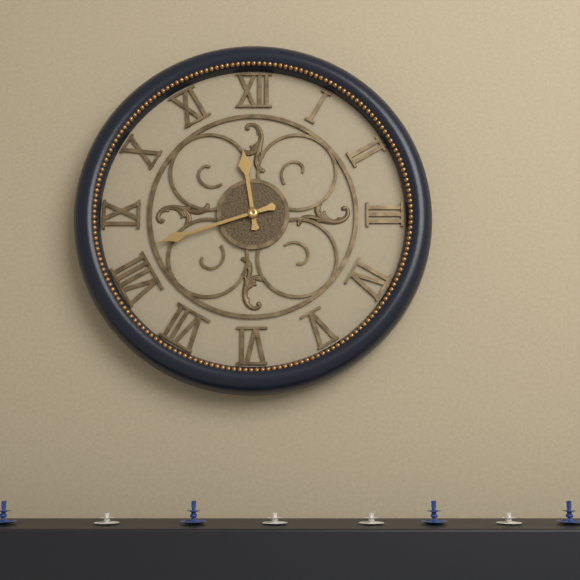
11:42
